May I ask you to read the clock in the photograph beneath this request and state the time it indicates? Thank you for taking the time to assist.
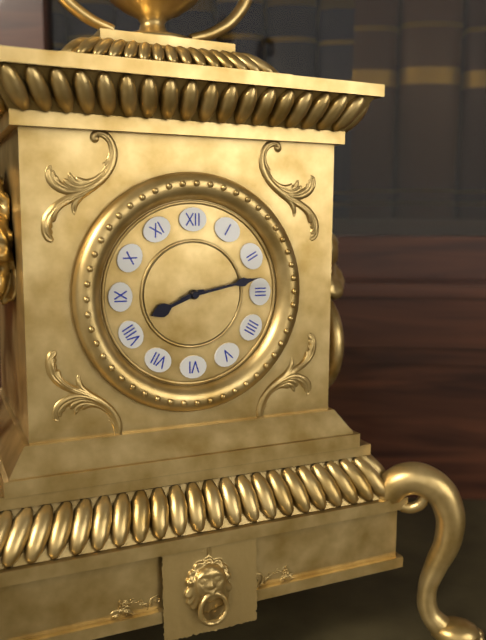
8:13
